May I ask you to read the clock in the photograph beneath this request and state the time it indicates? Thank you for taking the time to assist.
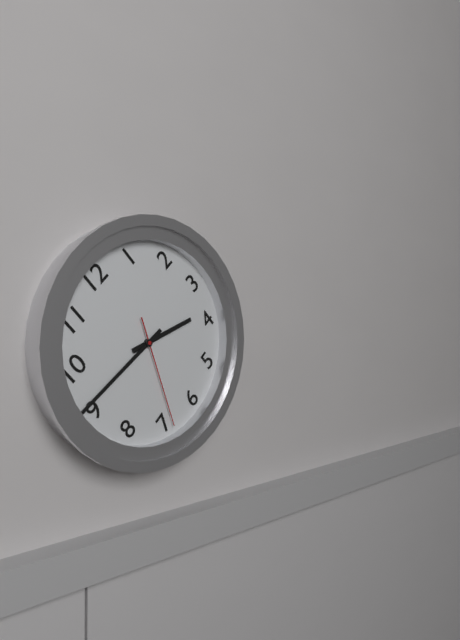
3:46:34
